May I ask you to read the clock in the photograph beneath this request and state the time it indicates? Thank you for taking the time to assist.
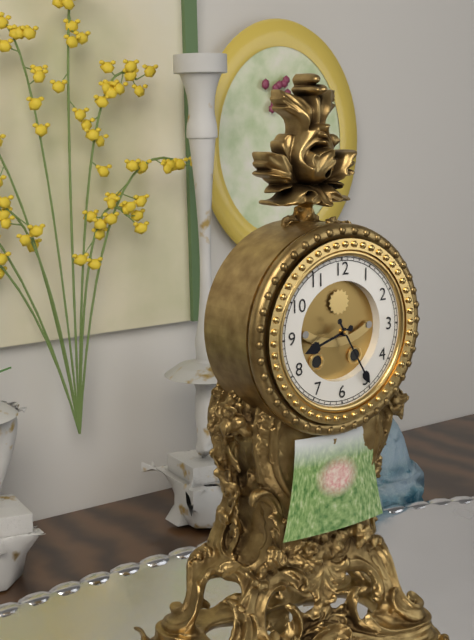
8:25
